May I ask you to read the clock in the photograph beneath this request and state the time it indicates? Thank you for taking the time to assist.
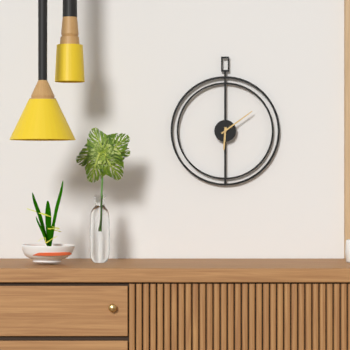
6:09
